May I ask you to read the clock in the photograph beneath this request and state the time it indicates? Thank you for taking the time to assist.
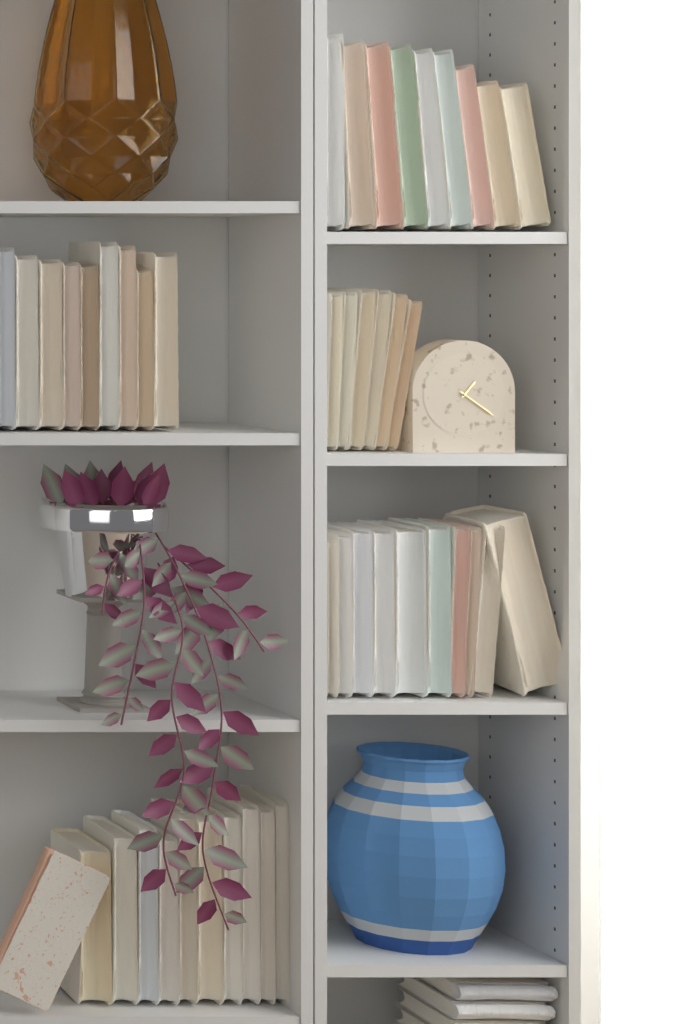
1:21
